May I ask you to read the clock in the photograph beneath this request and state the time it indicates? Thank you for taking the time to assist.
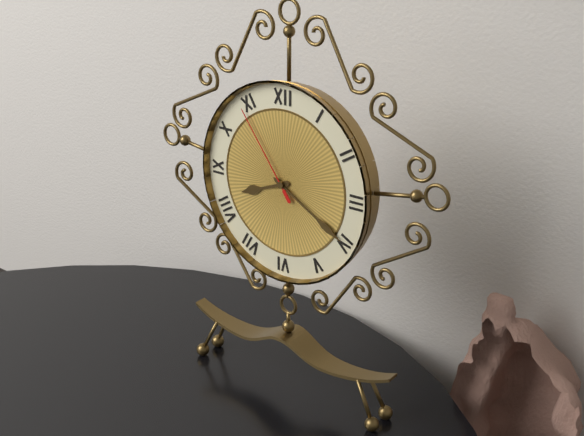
8:20:54
